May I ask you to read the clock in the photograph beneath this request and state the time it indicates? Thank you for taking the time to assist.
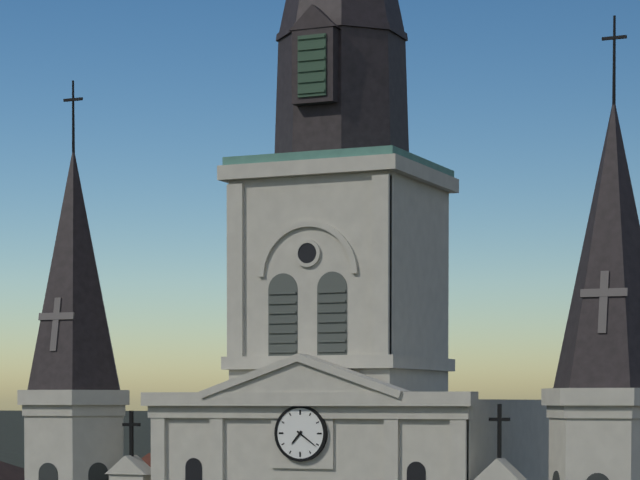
7:21
